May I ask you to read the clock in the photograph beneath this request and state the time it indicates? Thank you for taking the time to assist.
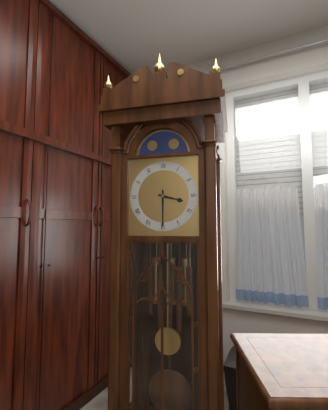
3:30
